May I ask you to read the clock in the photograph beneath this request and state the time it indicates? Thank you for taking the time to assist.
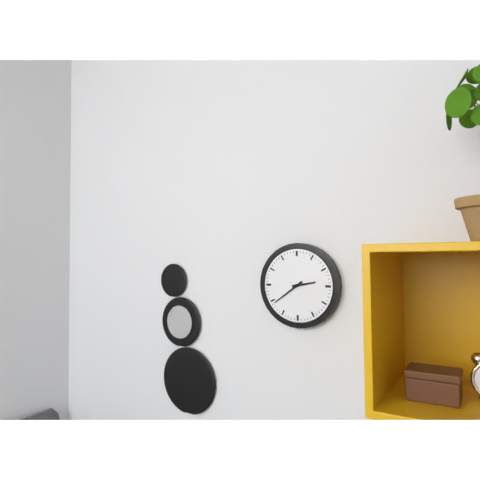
2:39
